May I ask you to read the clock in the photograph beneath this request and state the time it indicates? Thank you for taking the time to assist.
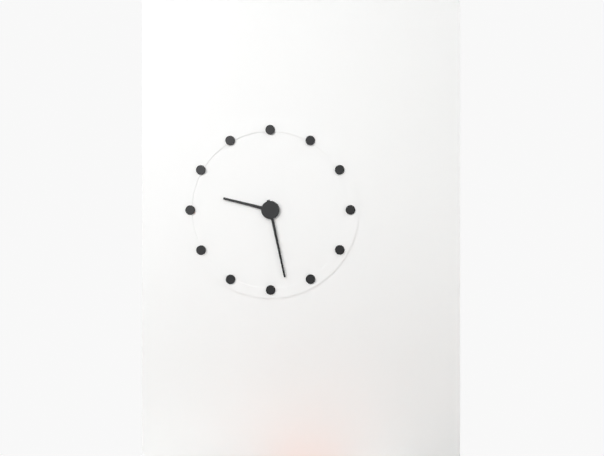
9:28
